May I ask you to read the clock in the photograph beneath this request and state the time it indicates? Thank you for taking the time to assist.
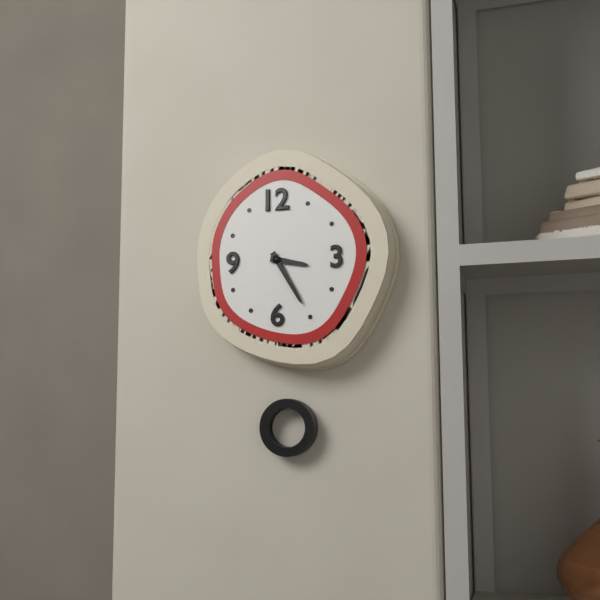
3:25
